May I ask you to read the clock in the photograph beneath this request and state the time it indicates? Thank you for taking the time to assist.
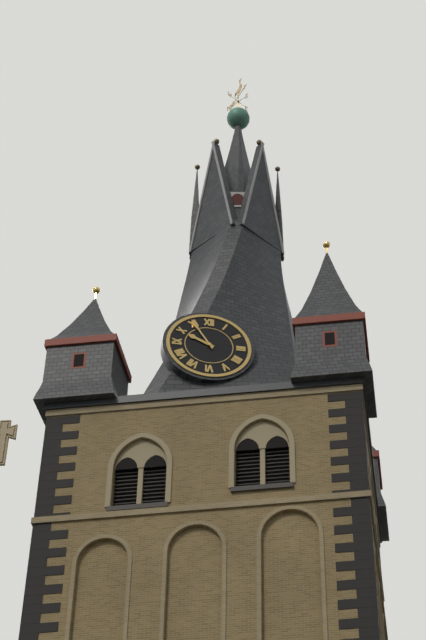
9:55
